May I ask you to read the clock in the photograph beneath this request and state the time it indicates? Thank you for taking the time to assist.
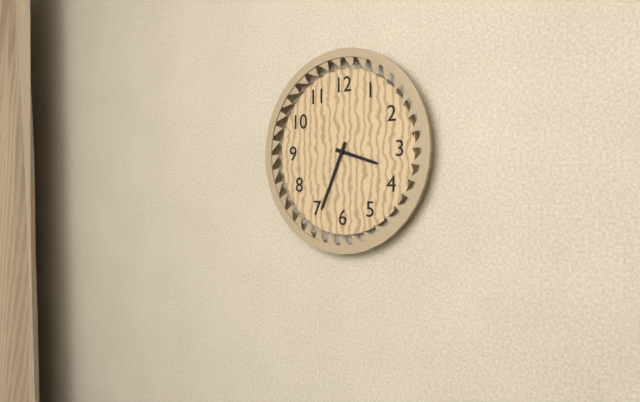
3:34
